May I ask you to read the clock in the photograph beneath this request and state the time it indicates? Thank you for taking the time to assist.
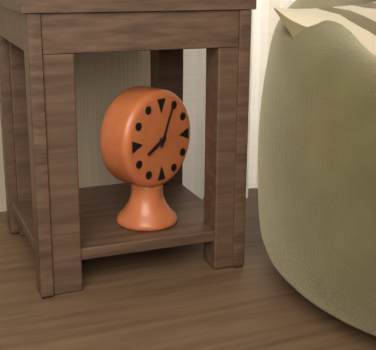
8:04
